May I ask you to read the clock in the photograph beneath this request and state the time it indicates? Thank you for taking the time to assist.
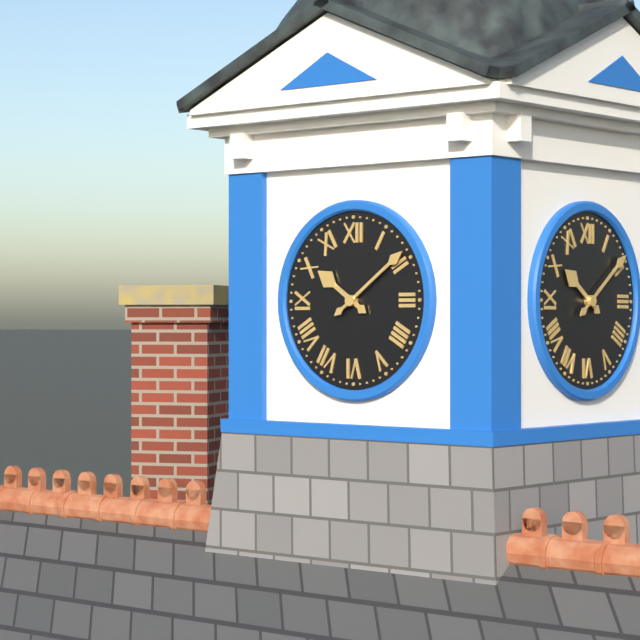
10:09
